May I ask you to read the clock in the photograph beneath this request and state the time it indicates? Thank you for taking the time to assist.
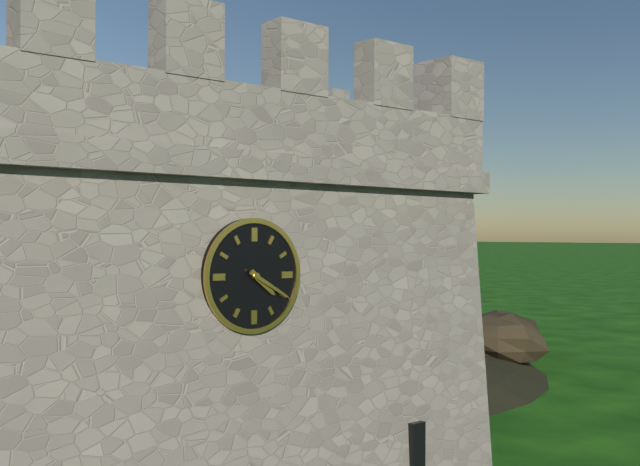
4:20
